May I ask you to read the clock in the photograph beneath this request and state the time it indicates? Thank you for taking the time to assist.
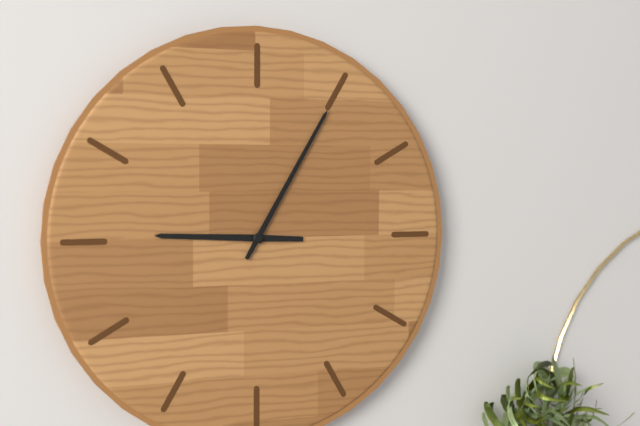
9:05
